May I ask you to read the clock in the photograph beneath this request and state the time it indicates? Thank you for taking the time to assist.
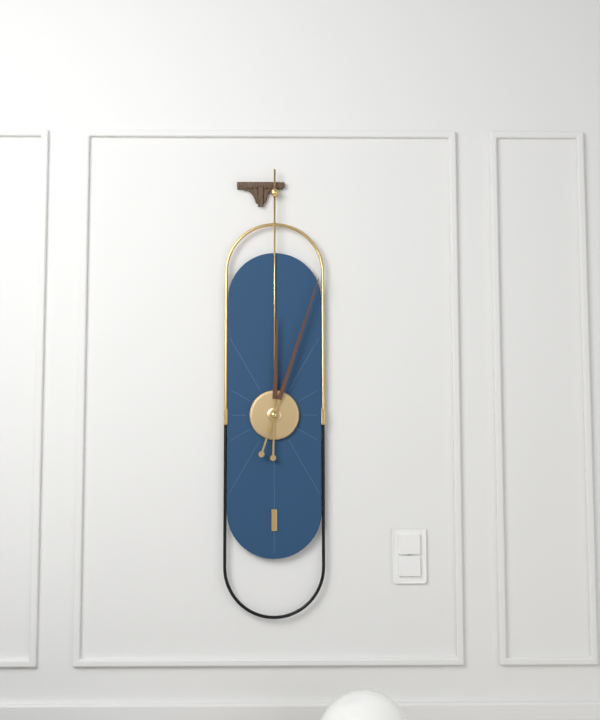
12:03
